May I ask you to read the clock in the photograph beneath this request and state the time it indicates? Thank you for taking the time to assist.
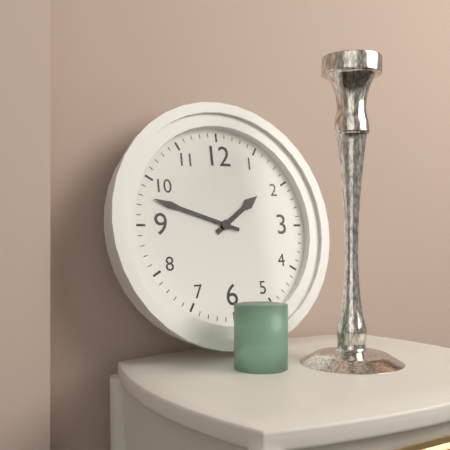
1:48
